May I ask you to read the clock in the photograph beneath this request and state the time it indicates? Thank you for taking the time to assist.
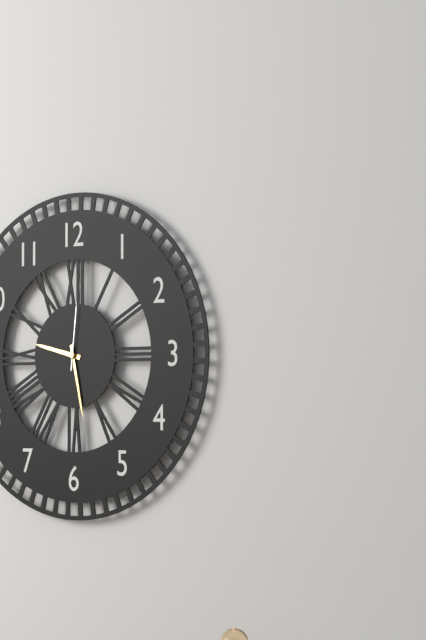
9:28:01
